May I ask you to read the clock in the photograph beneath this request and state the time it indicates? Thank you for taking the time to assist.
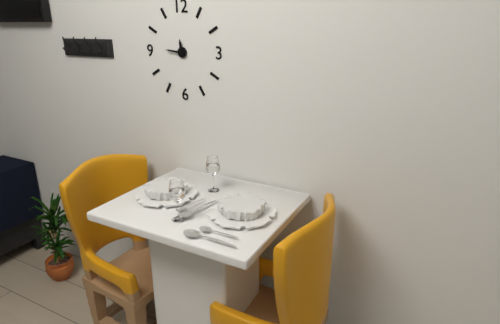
11:46
